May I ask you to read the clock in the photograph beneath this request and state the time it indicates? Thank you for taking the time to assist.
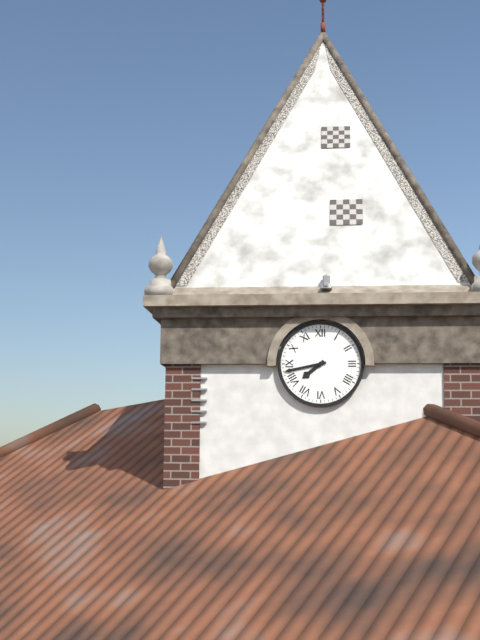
7:43
